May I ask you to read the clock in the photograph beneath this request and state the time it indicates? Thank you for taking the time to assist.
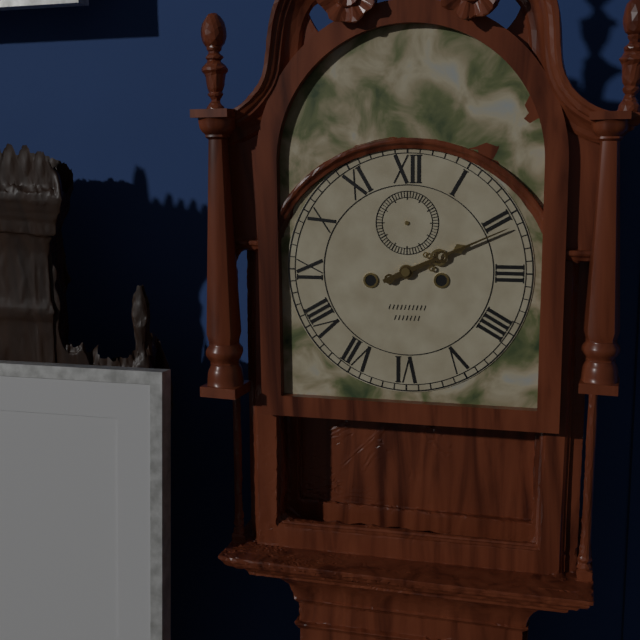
2:11
